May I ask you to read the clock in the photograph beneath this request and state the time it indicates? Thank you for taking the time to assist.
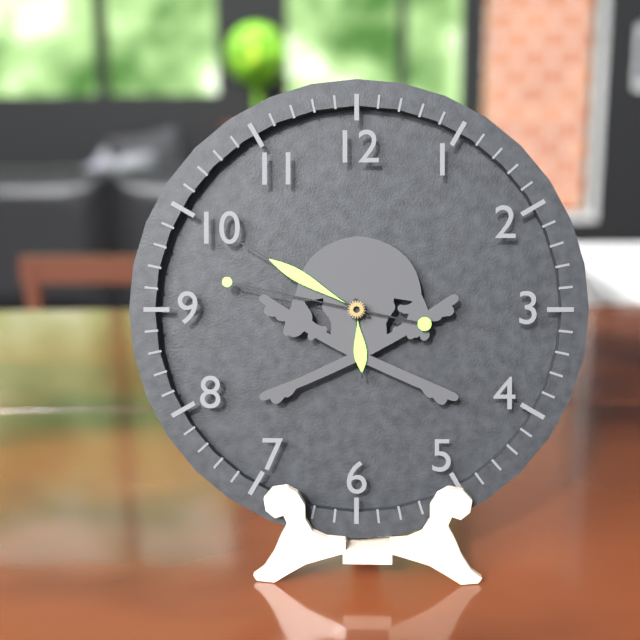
5:50:47
